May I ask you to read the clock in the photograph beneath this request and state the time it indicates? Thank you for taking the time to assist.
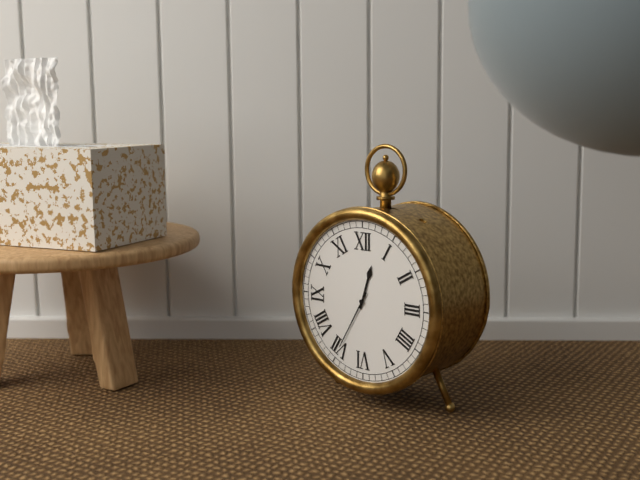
12:35
